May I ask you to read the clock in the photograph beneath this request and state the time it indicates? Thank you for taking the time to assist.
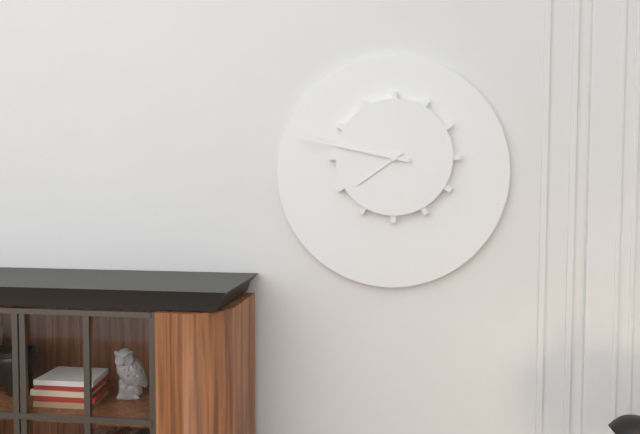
7:47
